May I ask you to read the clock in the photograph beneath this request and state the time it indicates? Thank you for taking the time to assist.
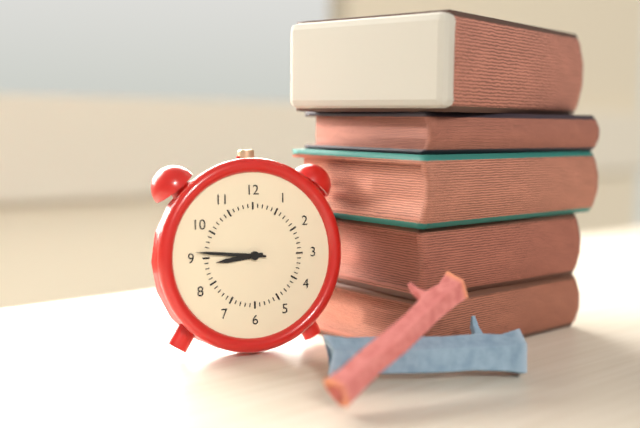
8:46
